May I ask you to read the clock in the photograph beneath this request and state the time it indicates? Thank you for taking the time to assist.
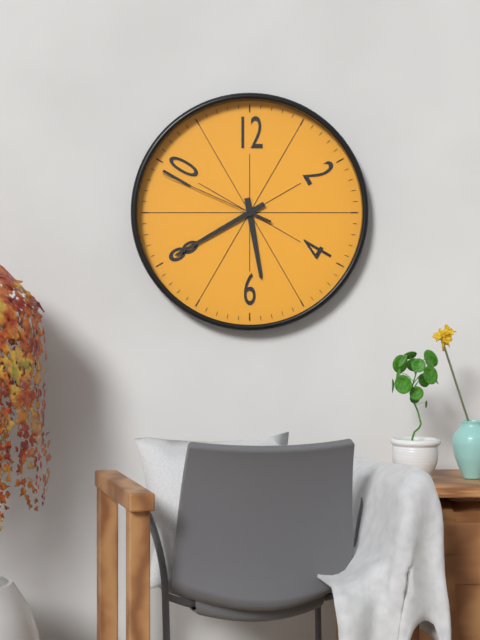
5:40:49
